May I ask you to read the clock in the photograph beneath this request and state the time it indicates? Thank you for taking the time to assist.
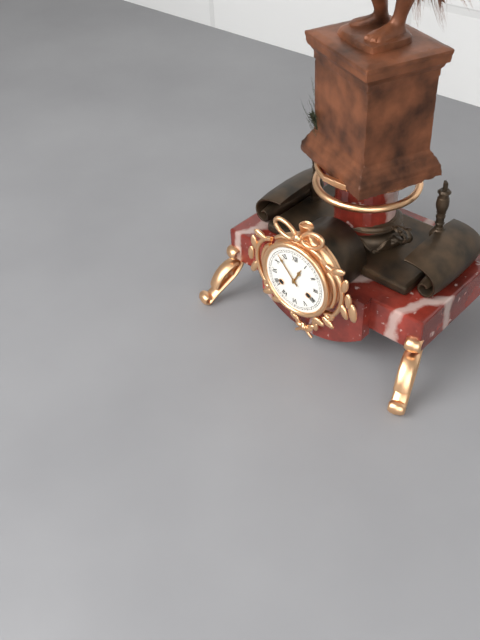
12:53
